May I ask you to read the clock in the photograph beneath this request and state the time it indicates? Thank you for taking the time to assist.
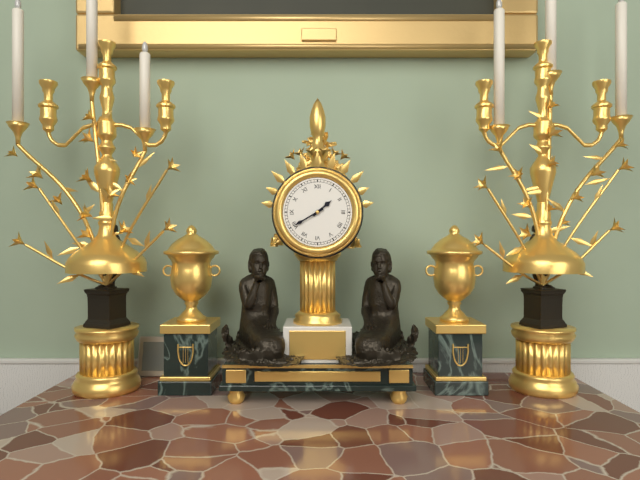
1:40
